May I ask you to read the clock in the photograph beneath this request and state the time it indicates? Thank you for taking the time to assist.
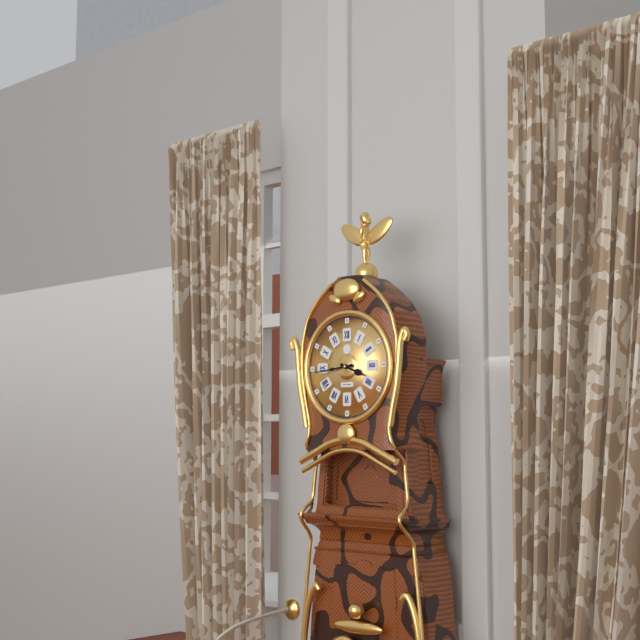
3:44
